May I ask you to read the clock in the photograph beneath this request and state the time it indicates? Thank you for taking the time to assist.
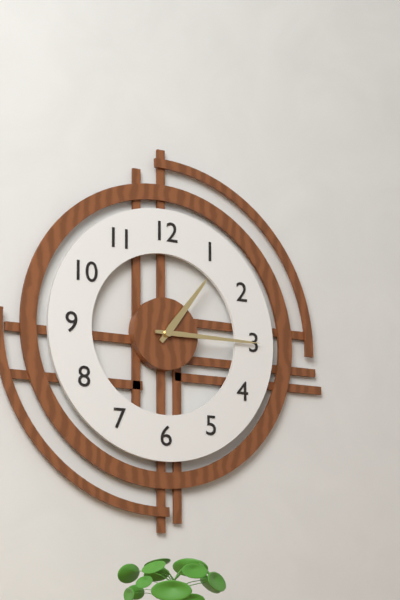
1:15
